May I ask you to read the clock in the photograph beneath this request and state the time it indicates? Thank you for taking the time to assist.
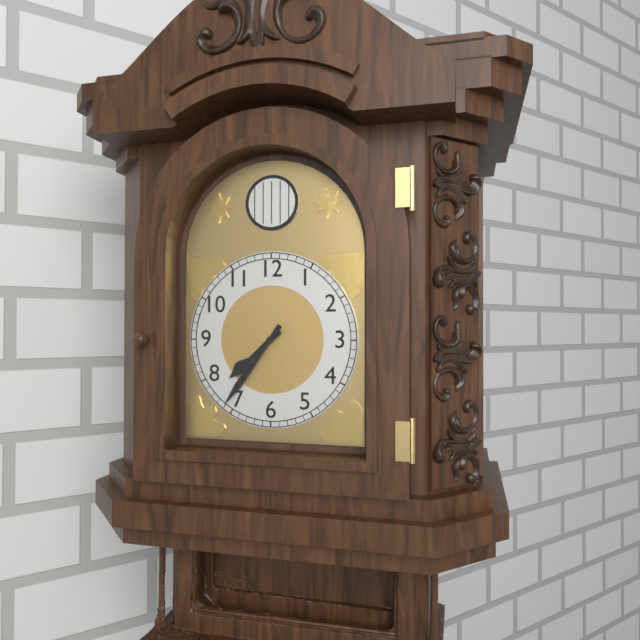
7:36
